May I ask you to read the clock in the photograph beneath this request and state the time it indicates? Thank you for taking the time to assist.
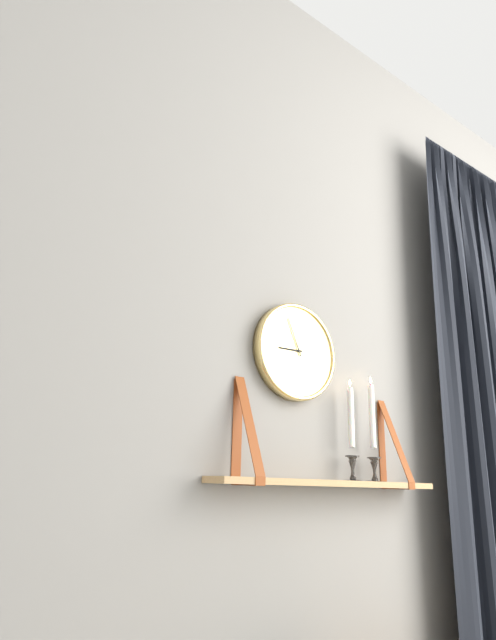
8:56
